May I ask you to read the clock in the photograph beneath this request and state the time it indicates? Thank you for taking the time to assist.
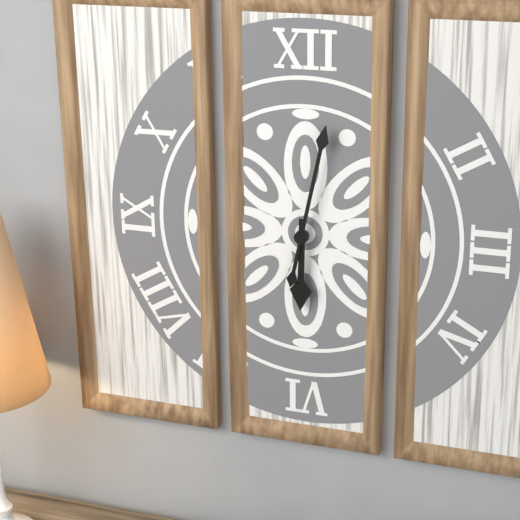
6:02
